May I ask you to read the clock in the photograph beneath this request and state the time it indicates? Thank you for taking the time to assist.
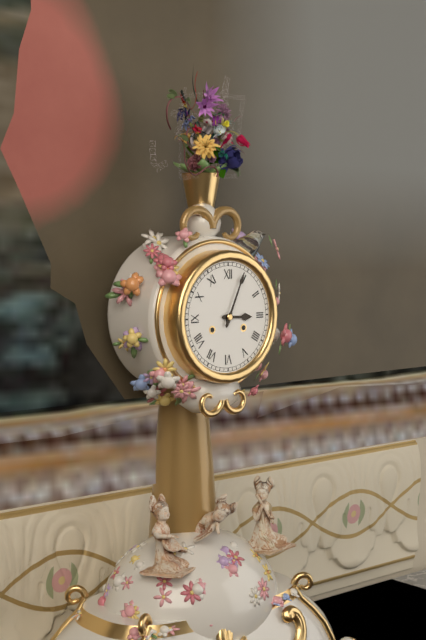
3:04
